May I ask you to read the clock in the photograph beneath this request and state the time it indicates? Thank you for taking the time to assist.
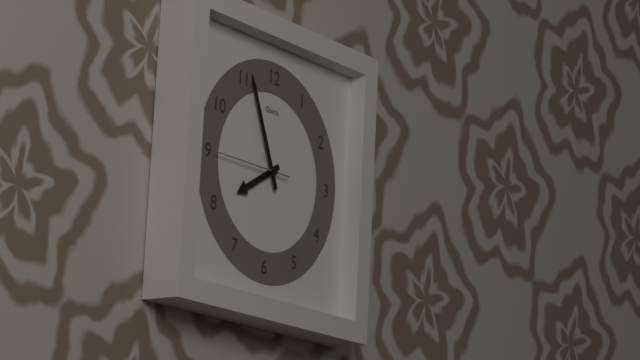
7:56:45
